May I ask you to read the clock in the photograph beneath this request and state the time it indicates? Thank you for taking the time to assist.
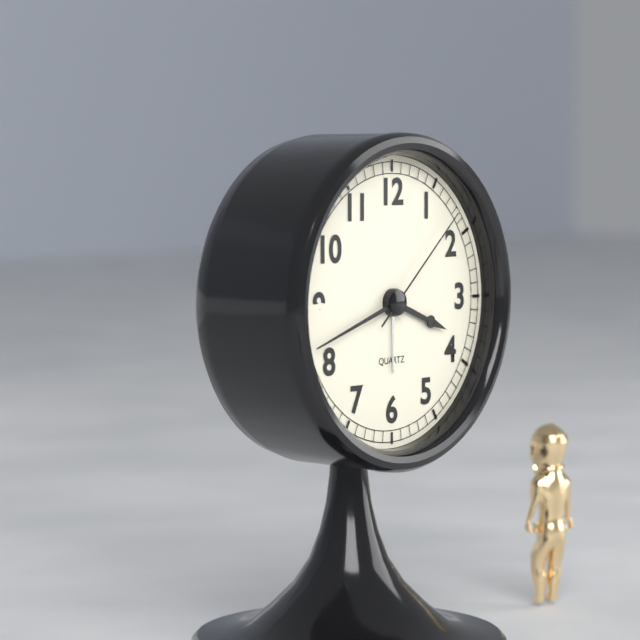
3:42:08
